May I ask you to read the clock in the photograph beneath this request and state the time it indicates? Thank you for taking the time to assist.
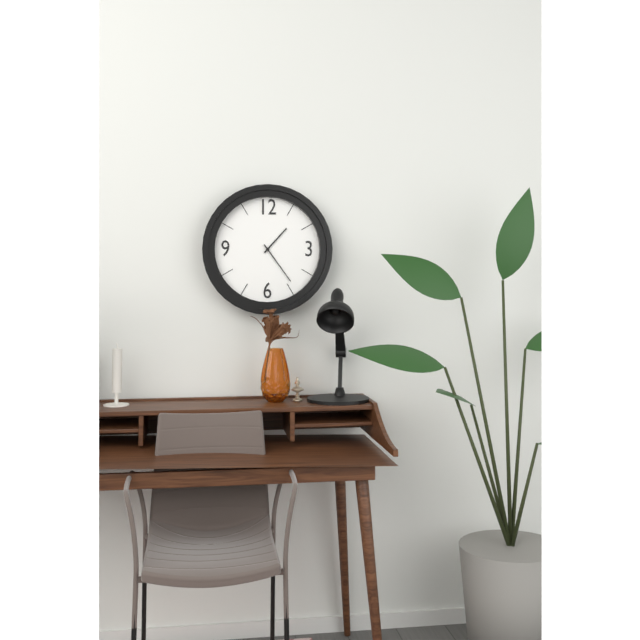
1:24
